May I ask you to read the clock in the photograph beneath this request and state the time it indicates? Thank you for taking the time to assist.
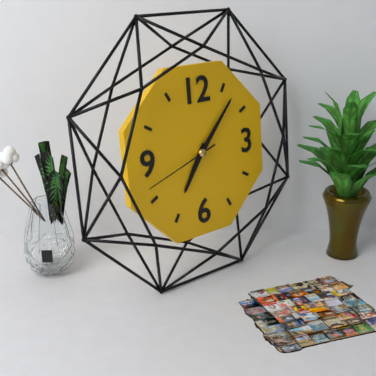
7:07:42
